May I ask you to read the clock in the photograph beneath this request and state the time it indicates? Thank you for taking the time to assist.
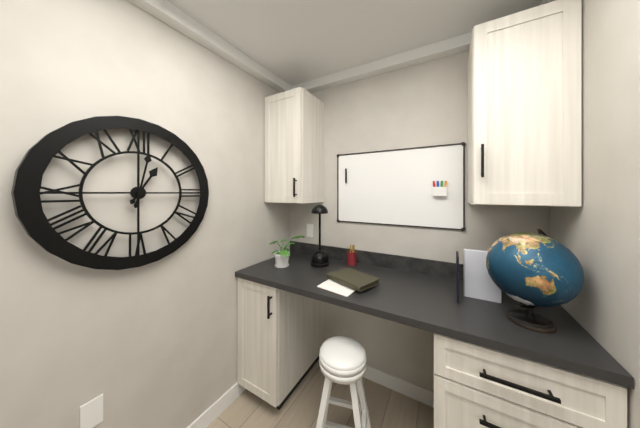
1:02
